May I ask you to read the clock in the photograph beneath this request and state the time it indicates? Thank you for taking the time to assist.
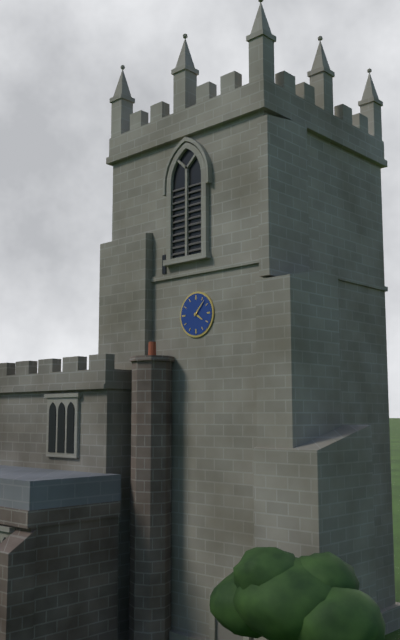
4:07
